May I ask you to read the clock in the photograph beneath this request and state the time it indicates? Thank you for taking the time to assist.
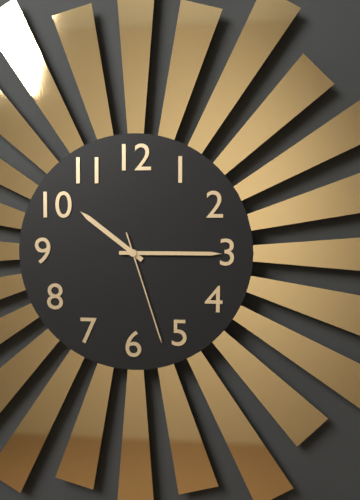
10:15:27
